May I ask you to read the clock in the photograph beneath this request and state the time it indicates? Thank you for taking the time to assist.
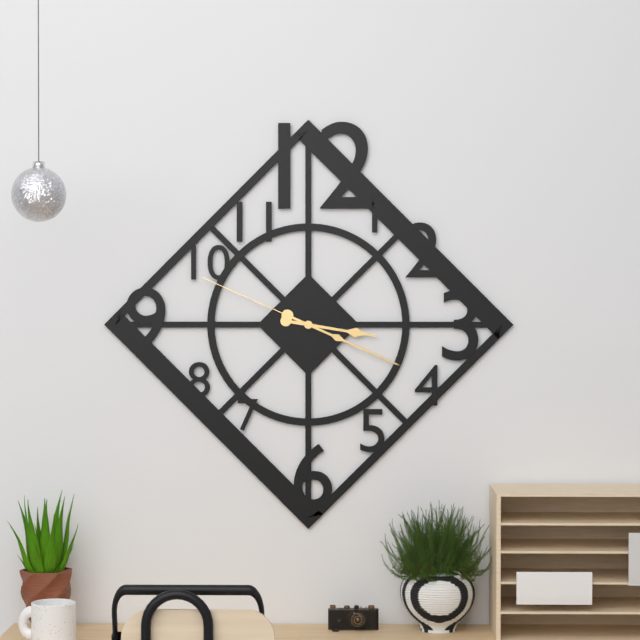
3:19:49
